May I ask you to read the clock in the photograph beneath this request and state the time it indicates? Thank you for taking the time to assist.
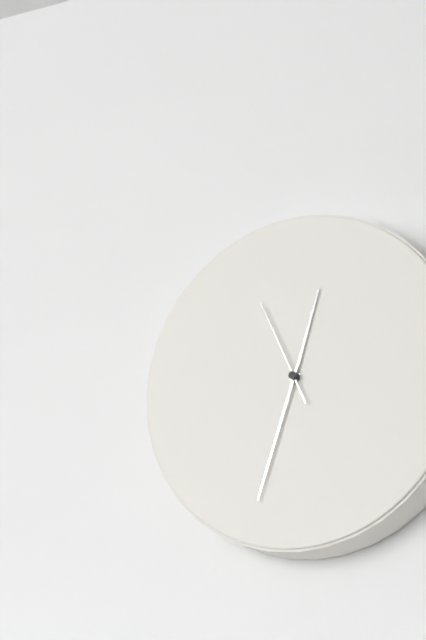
12:33:56
